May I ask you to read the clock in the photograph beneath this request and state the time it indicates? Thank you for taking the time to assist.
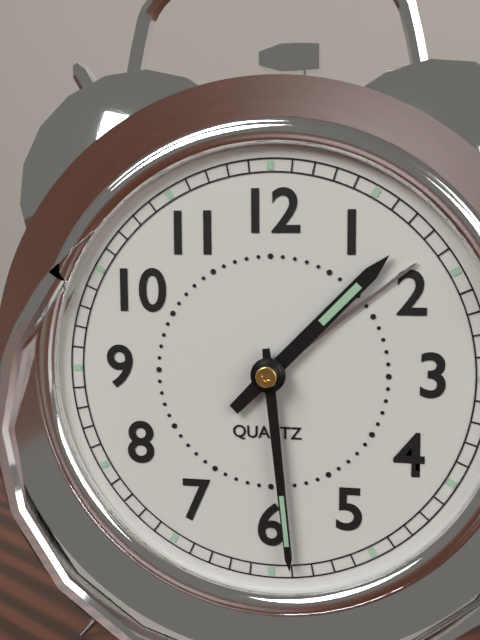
1:29
